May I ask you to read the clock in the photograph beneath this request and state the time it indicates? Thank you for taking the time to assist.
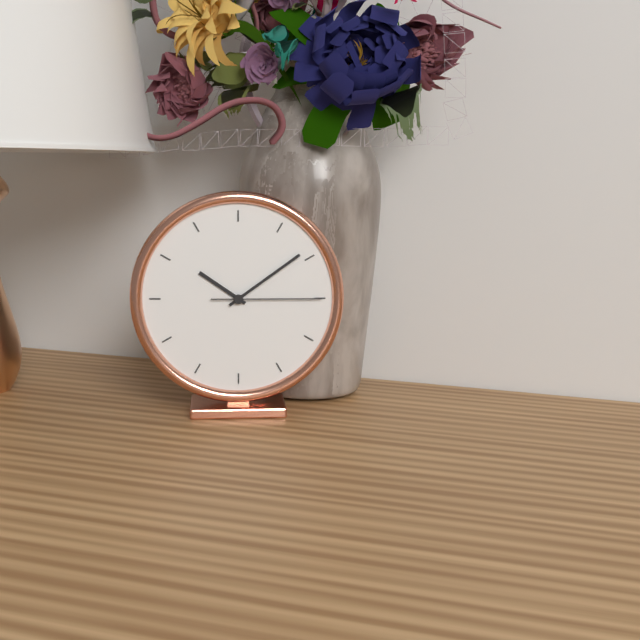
10:09:15
